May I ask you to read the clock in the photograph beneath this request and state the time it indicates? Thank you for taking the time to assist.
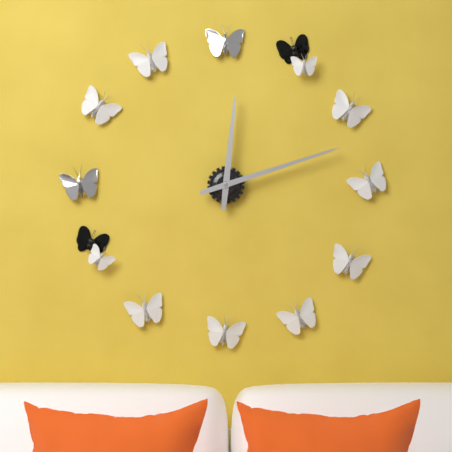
12:12
